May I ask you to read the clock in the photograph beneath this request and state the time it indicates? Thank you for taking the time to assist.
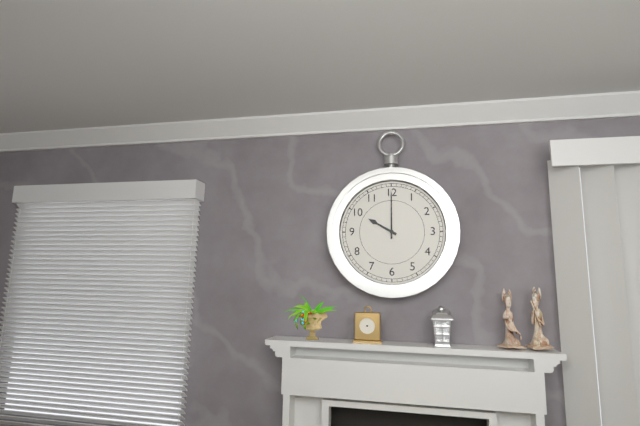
10:00
